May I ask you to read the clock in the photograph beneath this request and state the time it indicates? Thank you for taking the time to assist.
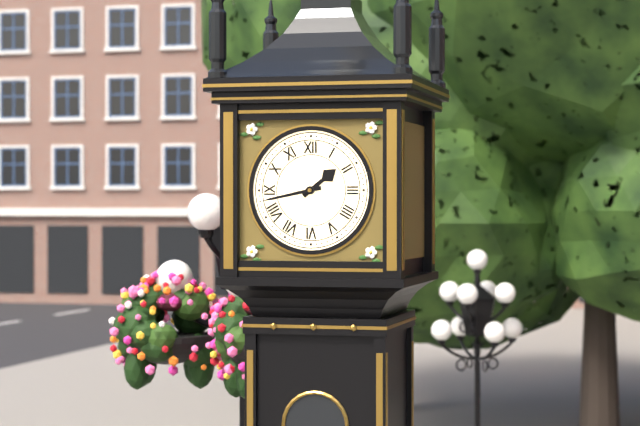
1:43
